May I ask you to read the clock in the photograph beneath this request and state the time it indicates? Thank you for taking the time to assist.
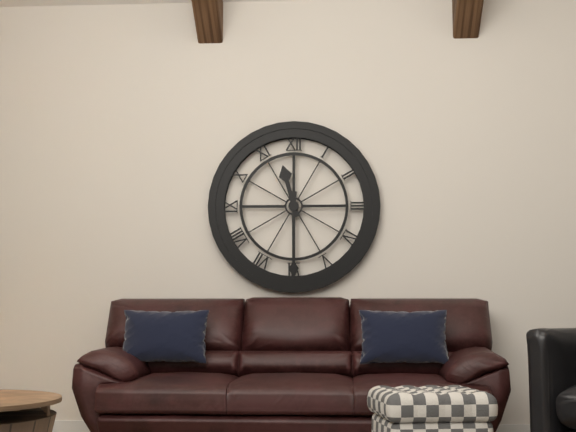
11:30
